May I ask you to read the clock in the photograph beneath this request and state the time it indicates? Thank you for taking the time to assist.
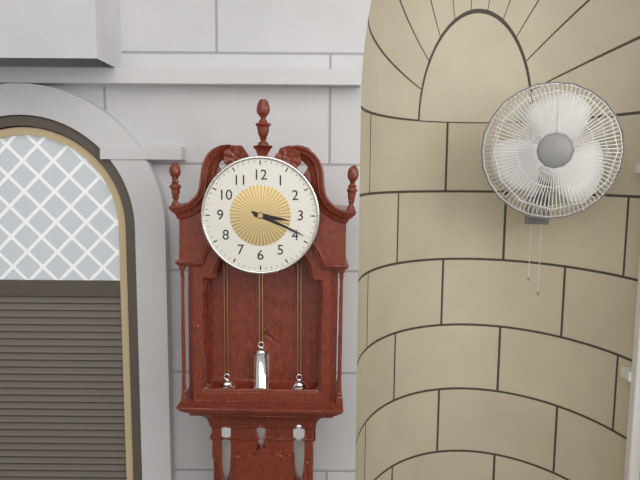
3:19
